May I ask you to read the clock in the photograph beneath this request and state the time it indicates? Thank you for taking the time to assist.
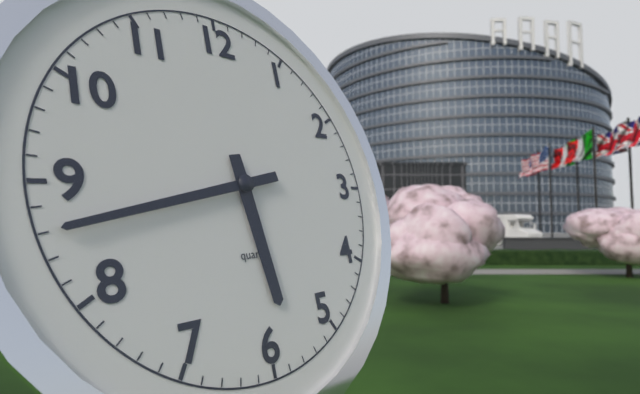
5:43
